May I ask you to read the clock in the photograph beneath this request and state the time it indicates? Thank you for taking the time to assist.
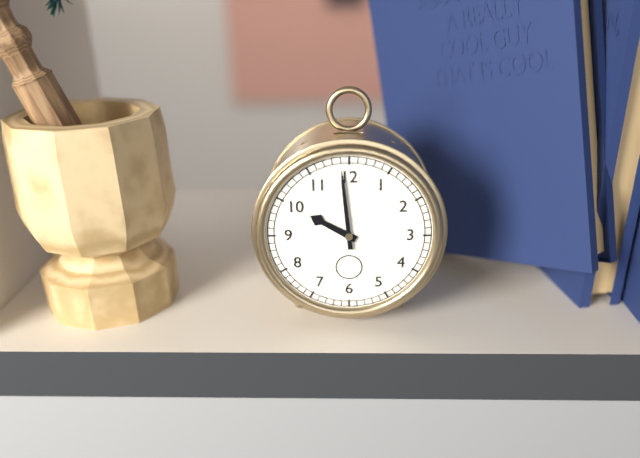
9:59
